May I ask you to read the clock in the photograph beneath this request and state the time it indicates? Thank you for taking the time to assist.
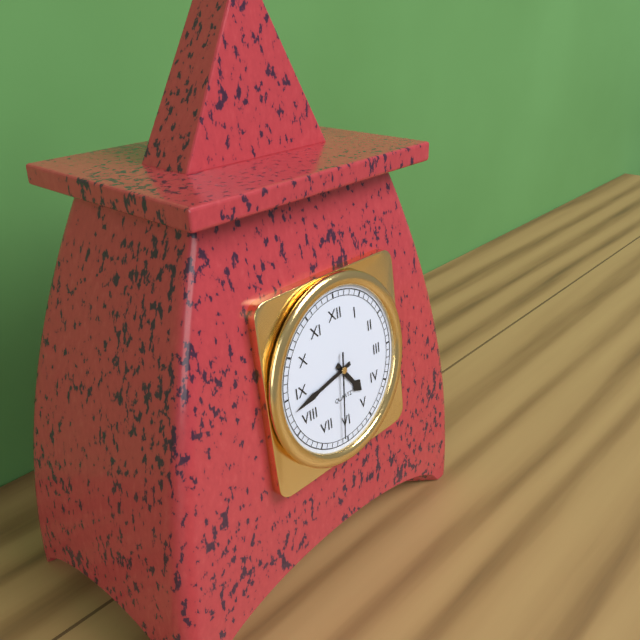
4:43:31
